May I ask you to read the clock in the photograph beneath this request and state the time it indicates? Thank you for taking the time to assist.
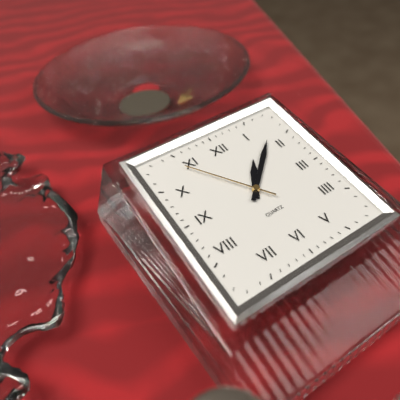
1:08:54
